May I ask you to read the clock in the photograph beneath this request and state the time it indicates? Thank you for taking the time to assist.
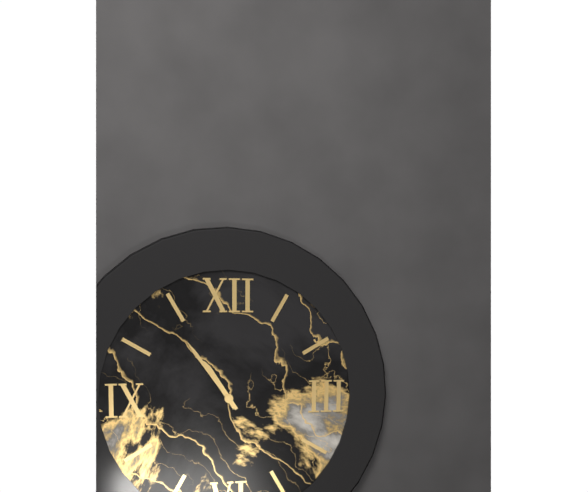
10:54
